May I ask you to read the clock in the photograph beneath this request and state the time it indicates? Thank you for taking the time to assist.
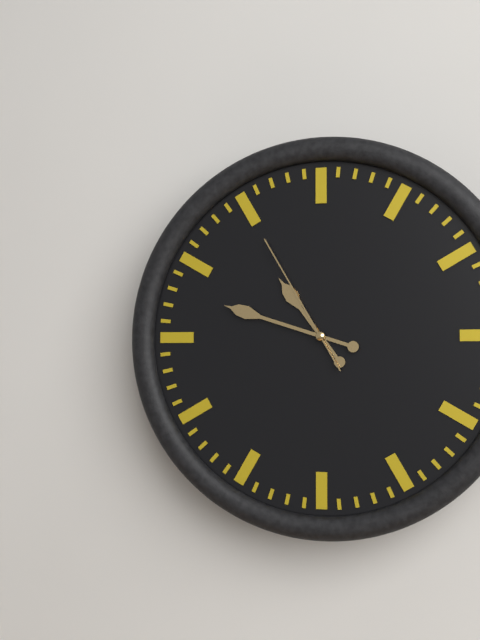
10:48:55
